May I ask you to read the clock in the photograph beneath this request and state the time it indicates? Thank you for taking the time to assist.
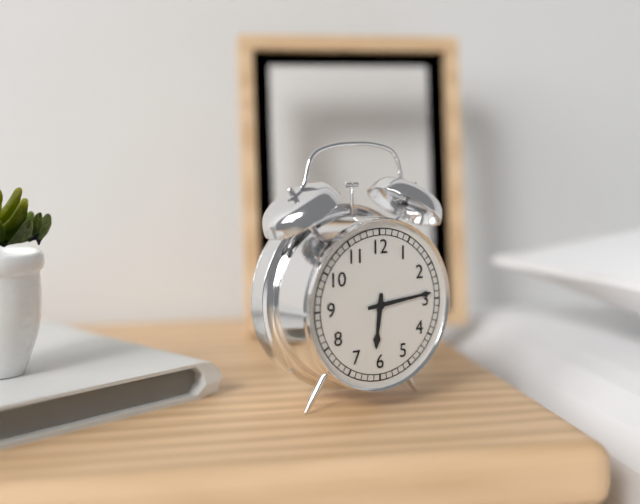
6:14
